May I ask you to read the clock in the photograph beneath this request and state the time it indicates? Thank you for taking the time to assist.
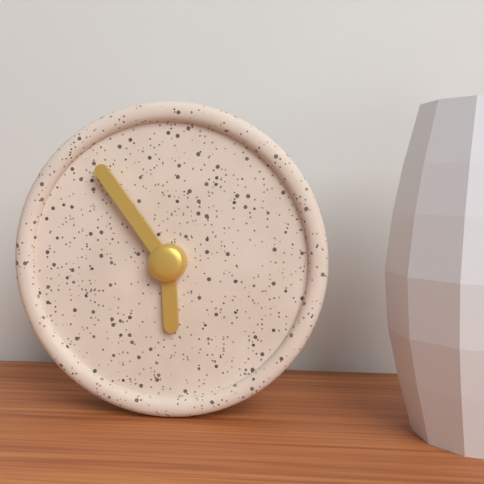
5:54
